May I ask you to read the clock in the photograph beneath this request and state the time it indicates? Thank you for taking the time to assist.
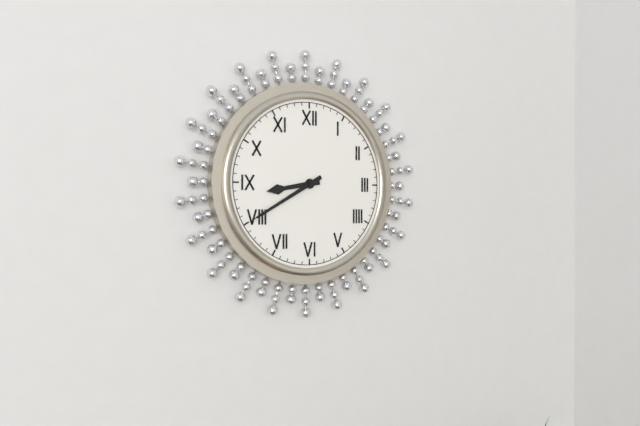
8:40
